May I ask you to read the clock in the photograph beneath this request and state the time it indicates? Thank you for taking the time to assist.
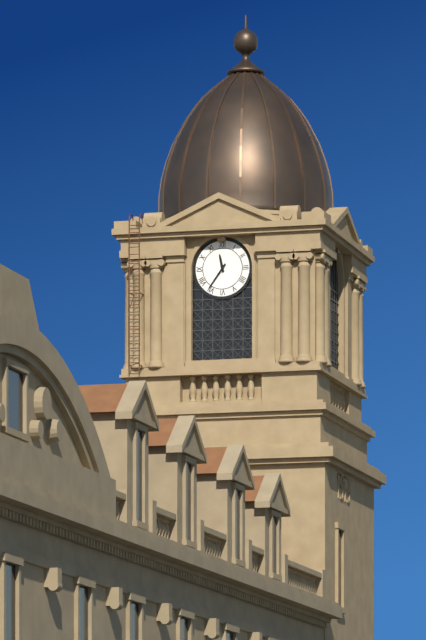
11:36
